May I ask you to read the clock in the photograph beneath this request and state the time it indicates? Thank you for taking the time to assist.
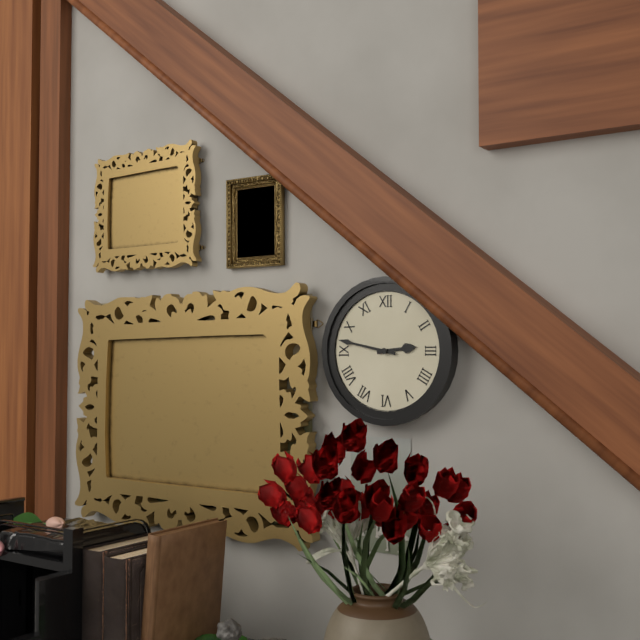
2:47
